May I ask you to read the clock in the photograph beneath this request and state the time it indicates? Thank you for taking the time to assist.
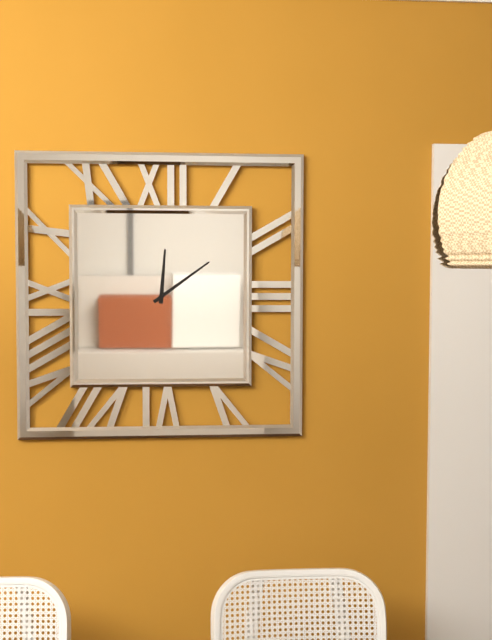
12:09
